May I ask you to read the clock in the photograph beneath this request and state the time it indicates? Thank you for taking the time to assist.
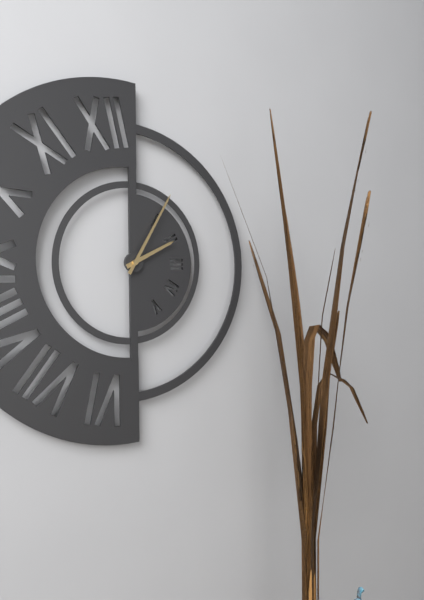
2:05
